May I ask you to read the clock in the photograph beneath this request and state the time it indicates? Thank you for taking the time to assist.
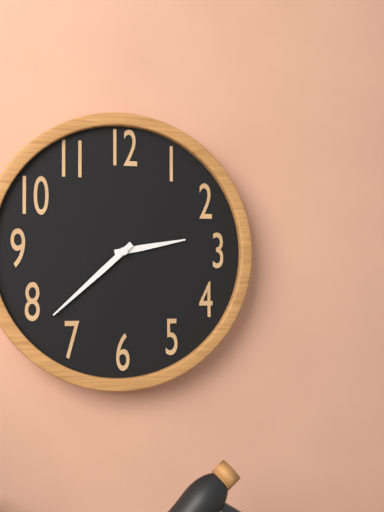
2:38
